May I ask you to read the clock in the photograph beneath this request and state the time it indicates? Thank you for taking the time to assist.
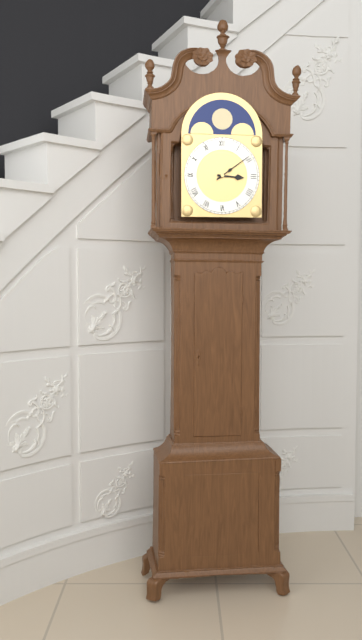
3:09
